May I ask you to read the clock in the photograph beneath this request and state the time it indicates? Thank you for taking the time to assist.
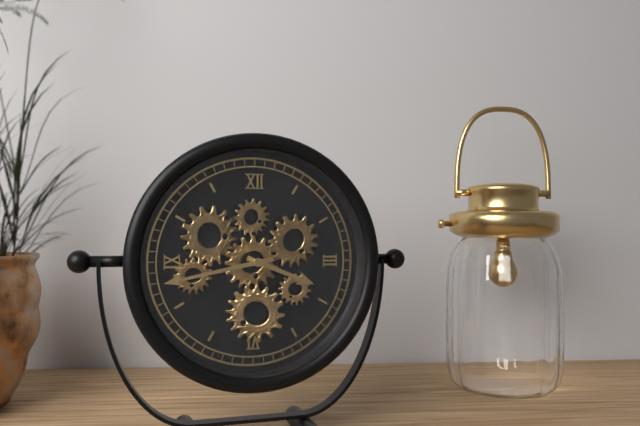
3:43
